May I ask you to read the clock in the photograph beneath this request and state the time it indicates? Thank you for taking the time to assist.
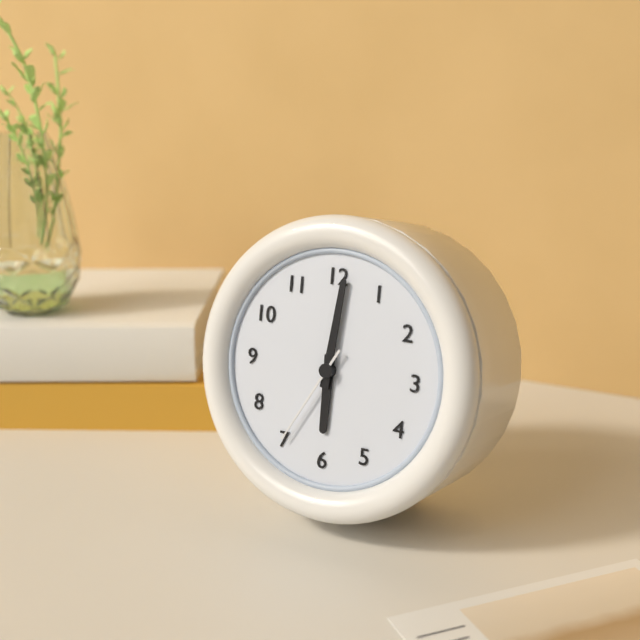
6:01:35
